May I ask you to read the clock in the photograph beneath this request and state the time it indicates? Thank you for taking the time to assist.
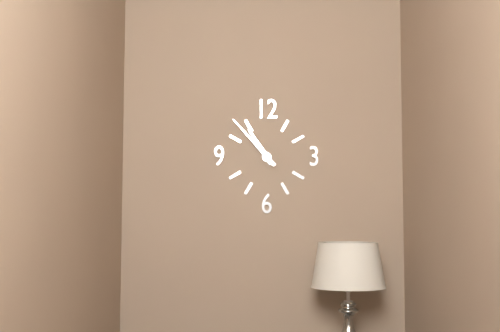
10:53
